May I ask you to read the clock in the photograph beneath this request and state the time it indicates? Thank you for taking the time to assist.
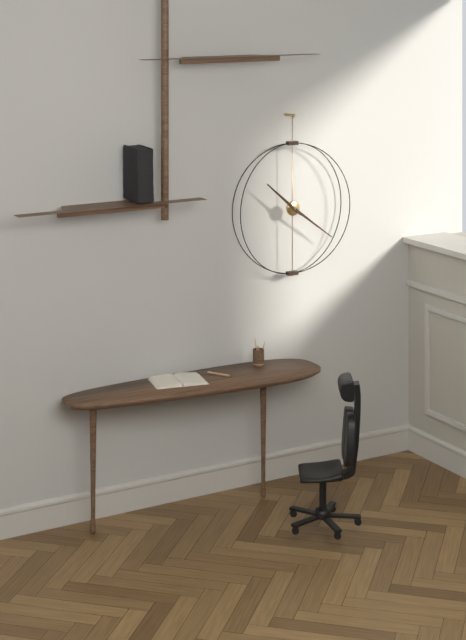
10:21
